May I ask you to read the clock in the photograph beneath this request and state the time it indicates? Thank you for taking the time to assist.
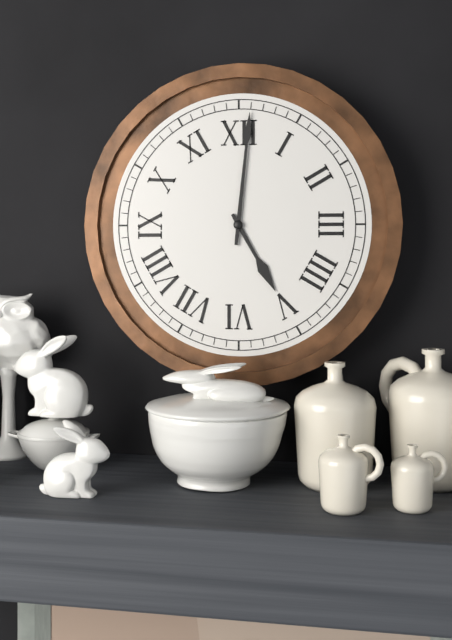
5:01
